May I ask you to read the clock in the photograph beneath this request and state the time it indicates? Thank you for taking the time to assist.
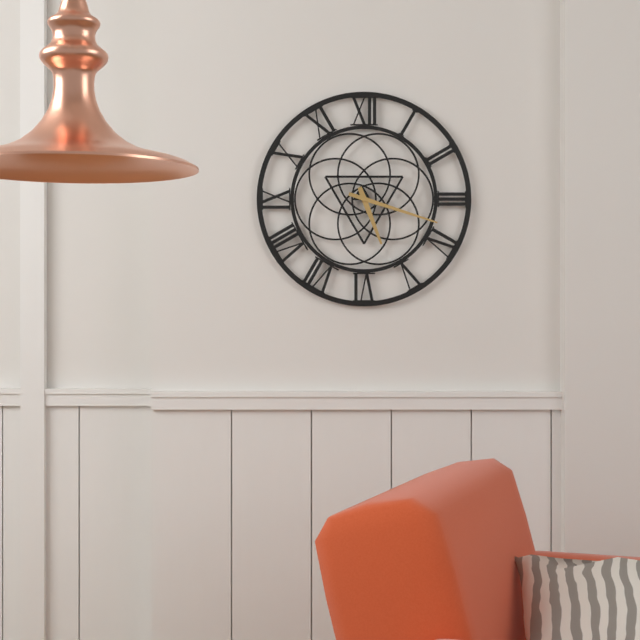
5:18
